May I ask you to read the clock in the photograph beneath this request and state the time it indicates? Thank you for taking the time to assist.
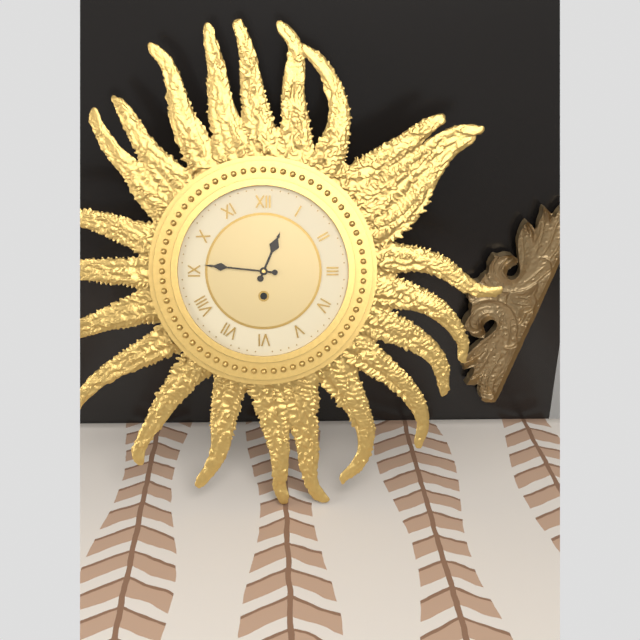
12:46
